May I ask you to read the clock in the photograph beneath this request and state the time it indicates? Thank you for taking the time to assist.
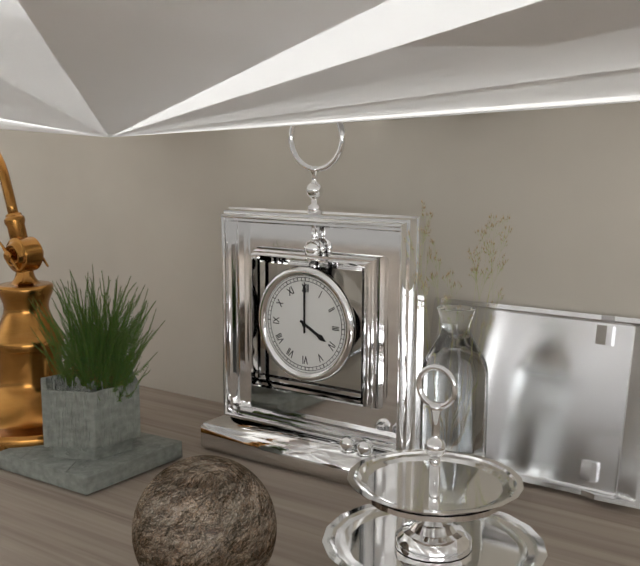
4:00
